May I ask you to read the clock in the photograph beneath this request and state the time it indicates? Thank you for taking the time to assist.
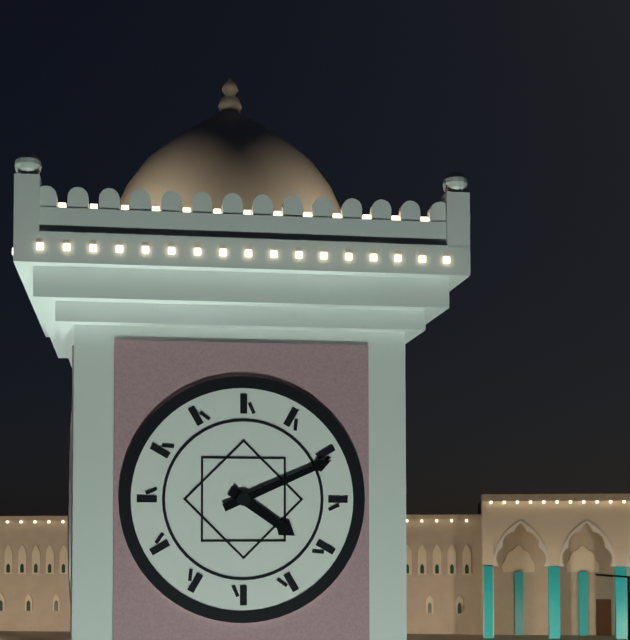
4:11
